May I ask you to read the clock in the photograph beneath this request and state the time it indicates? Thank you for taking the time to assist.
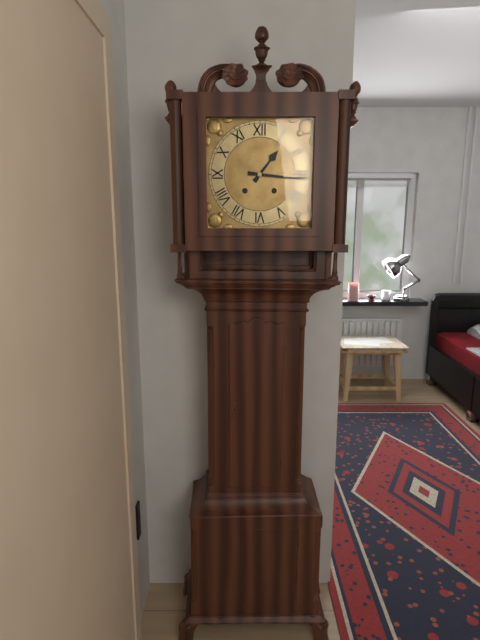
1:16
